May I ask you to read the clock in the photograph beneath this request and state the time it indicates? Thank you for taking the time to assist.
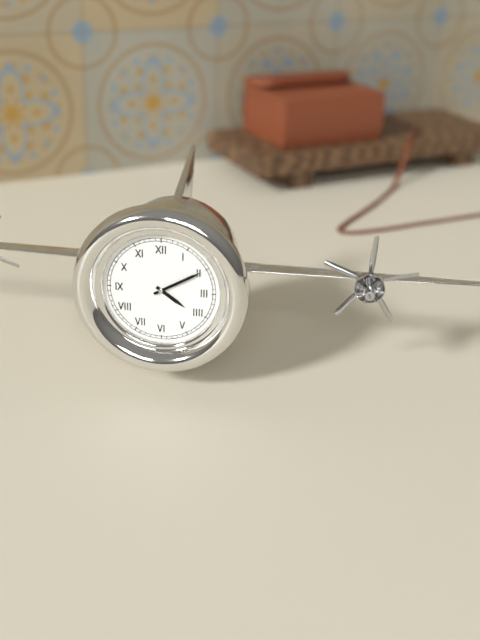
4:10
